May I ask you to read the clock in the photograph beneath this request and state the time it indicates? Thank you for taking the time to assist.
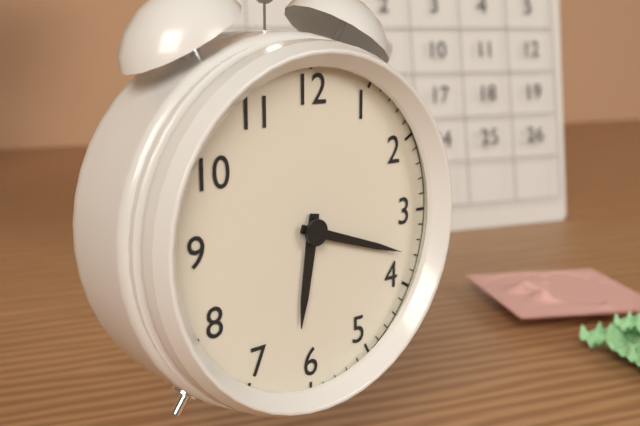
6:18
